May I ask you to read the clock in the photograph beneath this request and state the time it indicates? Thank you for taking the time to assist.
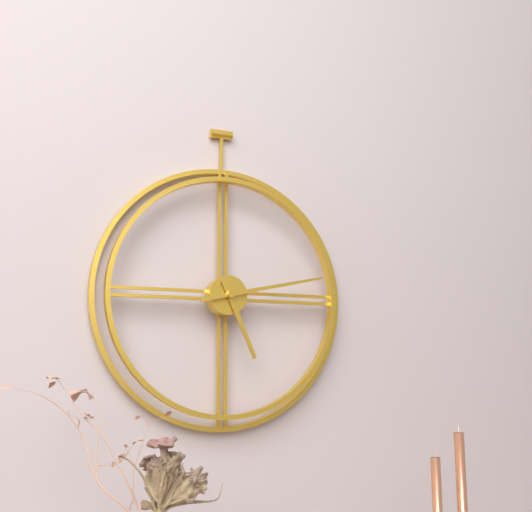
5:13
